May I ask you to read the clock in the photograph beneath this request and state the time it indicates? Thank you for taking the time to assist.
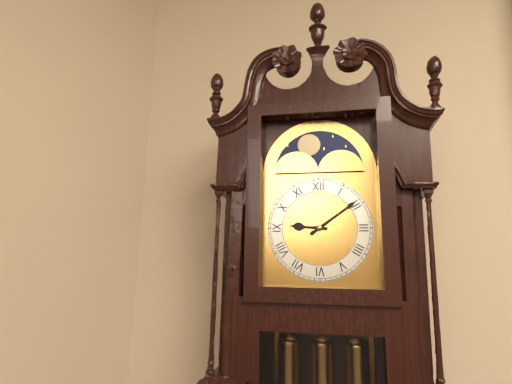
9:09
